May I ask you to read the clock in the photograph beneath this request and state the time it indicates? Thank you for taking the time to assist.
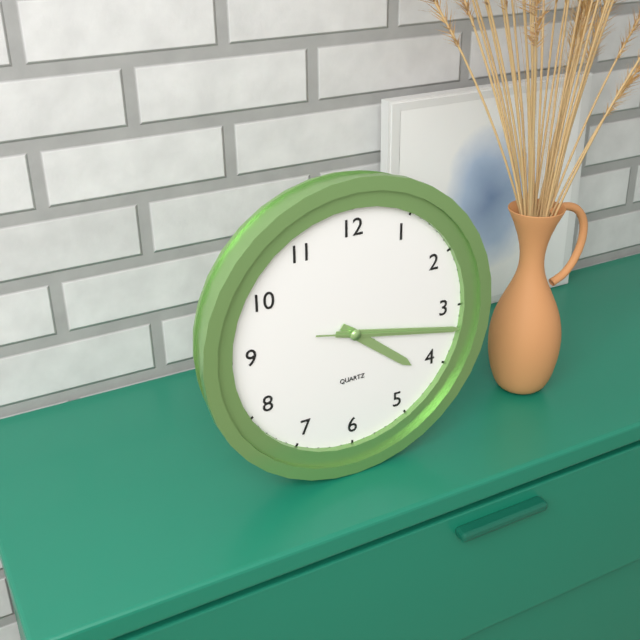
4:17:17
